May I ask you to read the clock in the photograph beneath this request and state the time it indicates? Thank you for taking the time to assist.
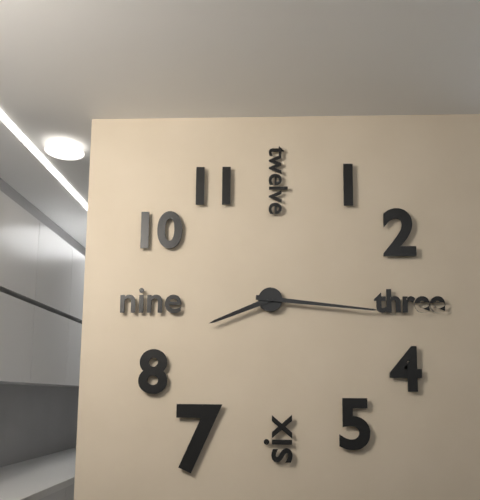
8:16
